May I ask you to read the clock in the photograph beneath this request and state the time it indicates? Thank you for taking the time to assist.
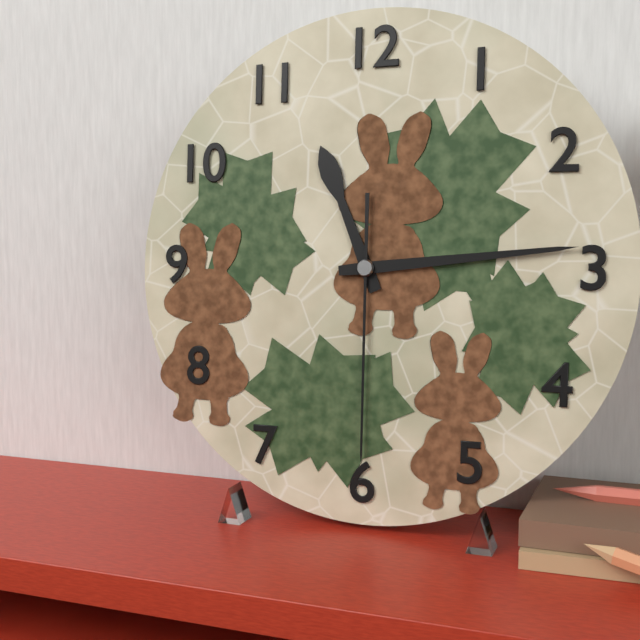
11:14:30
